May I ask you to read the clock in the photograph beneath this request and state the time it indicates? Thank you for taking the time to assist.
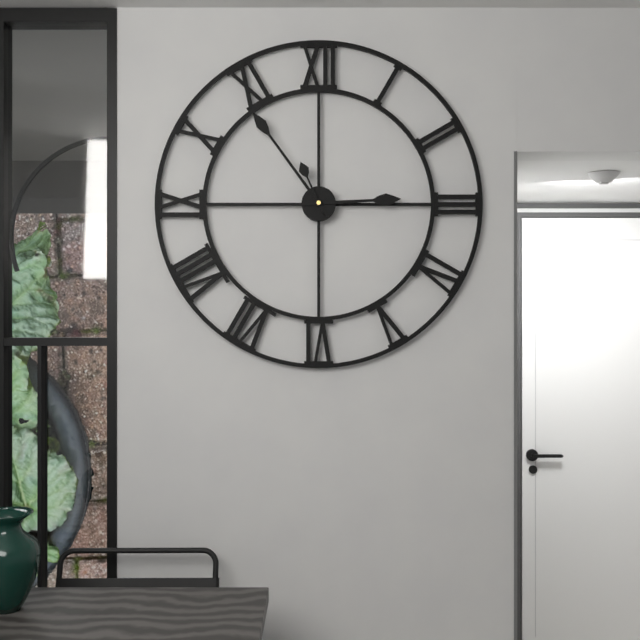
2:54:56
